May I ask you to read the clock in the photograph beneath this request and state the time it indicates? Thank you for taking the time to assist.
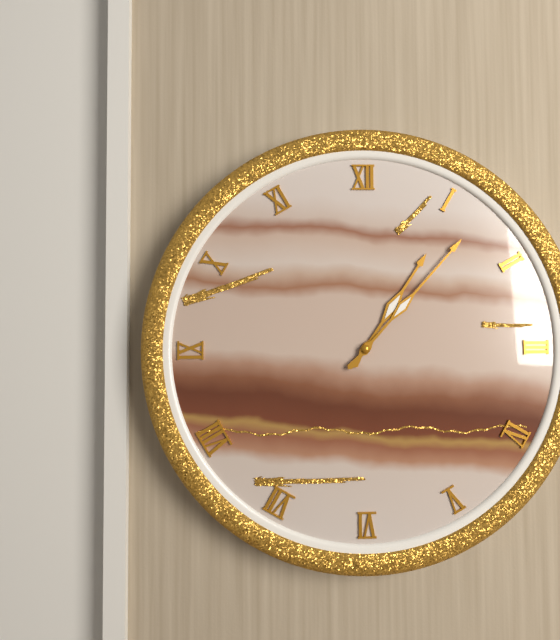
1:07
